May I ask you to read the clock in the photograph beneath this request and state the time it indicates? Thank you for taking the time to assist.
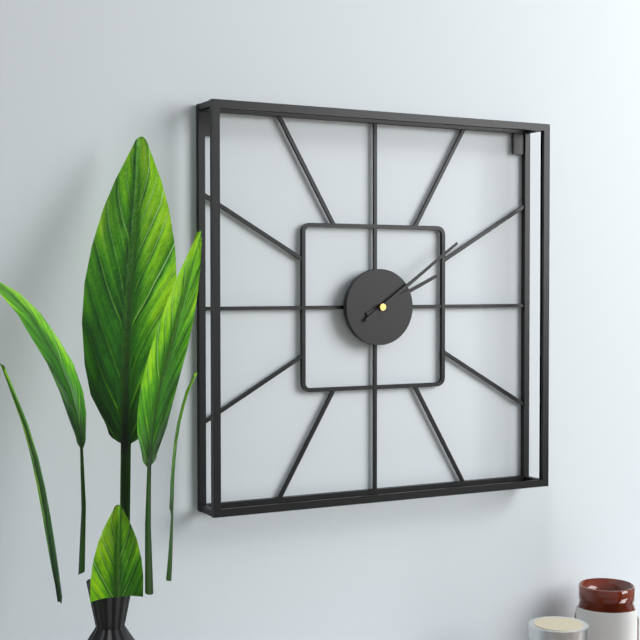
2:09
